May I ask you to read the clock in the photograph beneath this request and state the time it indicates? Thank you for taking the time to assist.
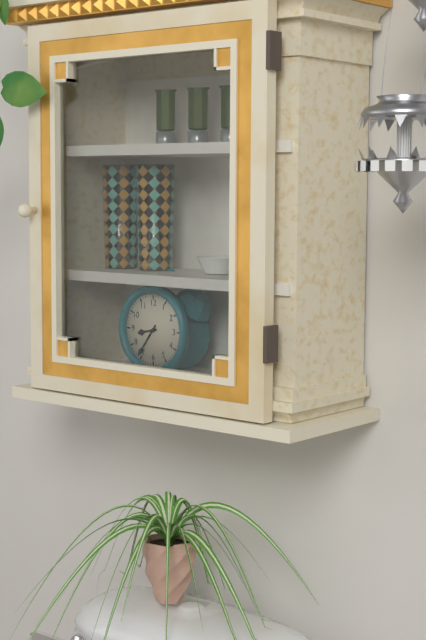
8:36
